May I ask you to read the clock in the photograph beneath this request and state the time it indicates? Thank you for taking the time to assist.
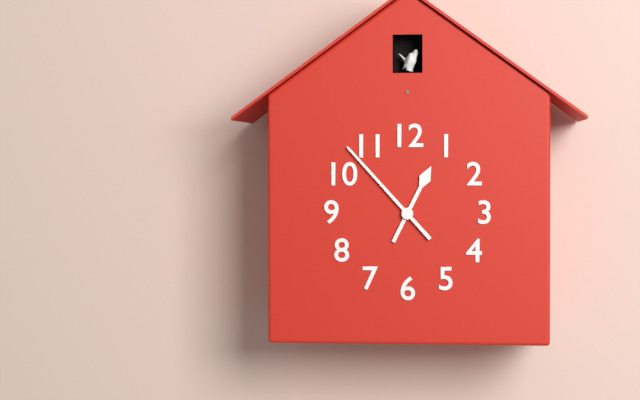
12:53
